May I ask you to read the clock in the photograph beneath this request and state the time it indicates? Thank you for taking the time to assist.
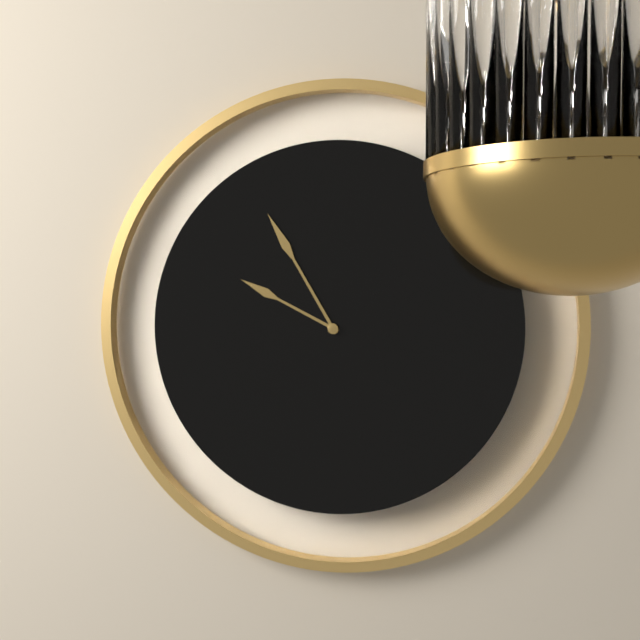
9:55
